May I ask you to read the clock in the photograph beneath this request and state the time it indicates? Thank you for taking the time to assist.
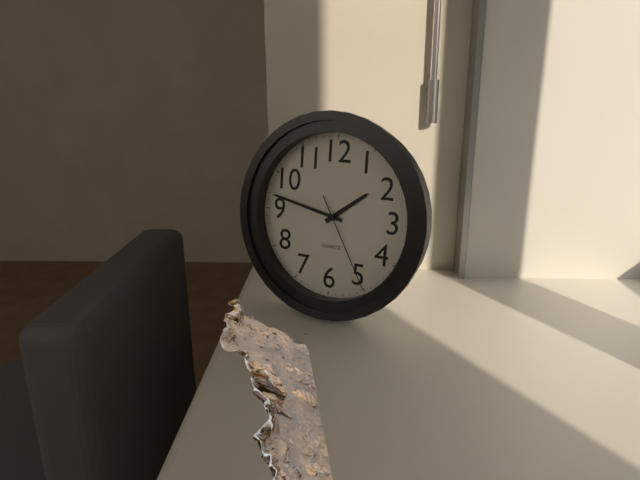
1:47:25
